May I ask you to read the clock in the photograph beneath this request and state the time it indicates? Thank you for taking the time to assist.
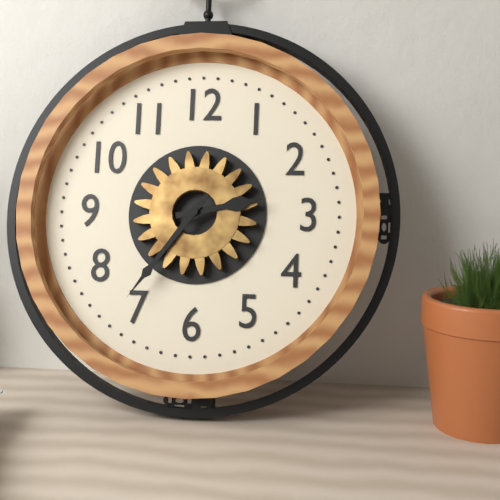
2:36
